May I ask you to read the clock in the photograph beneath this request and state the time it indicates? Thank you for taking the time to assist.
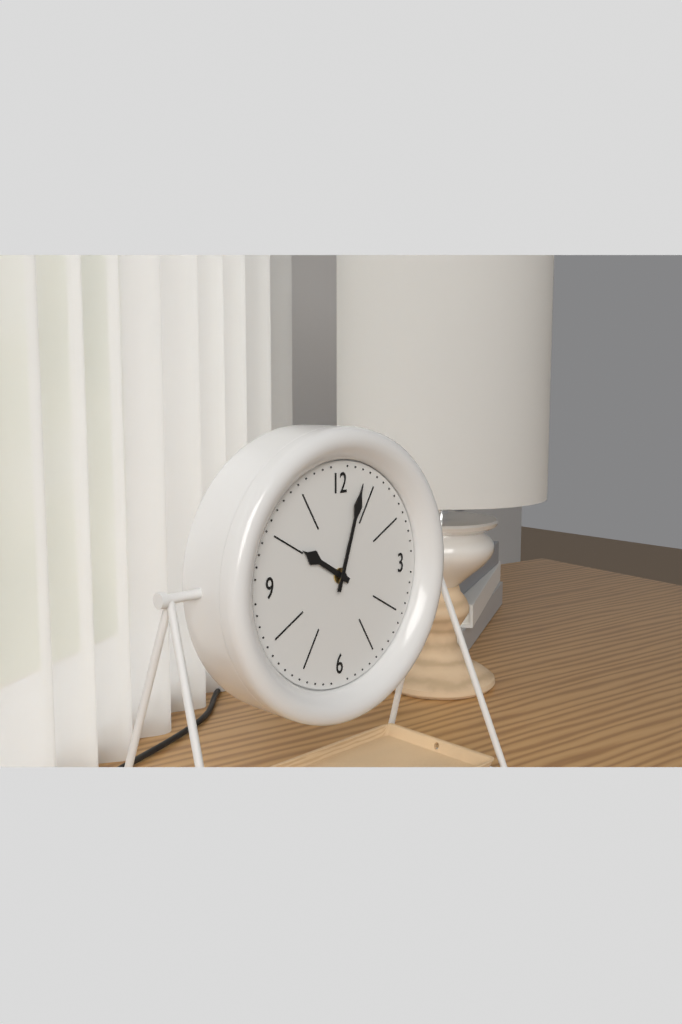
10:03
